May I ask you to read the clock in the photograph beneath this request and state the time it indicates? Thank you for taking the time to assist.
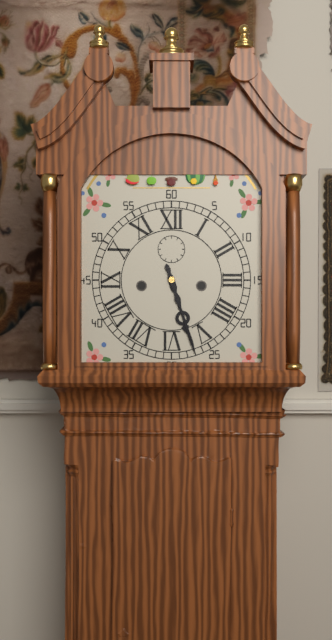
5:27
